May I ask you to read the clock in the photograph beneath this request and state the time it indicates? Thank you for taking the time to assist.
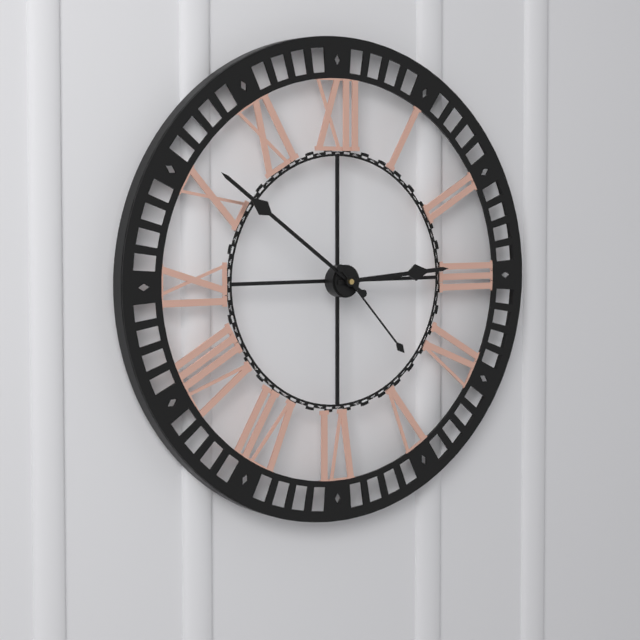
2:51:23
